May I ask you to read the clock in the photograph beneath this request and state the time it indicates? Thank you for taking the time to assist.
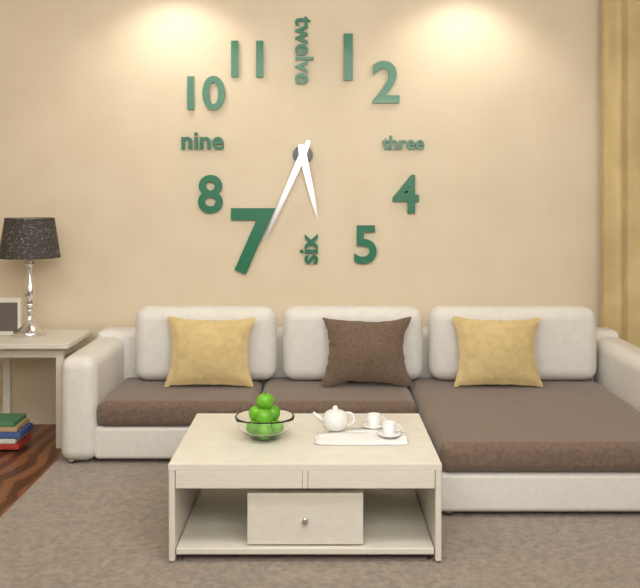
5:34
